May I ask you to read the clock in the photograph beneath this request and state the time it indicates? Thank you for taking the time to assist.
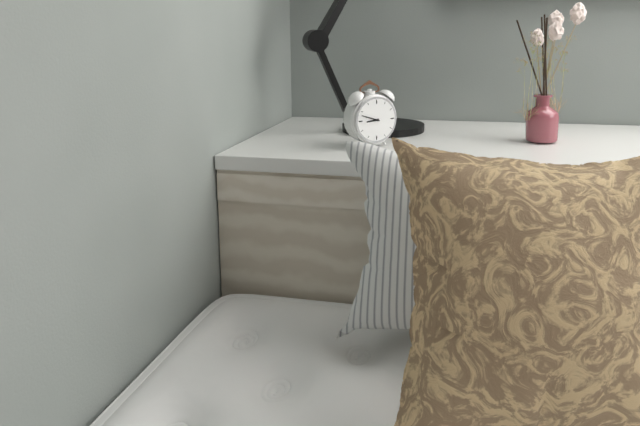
8:48
